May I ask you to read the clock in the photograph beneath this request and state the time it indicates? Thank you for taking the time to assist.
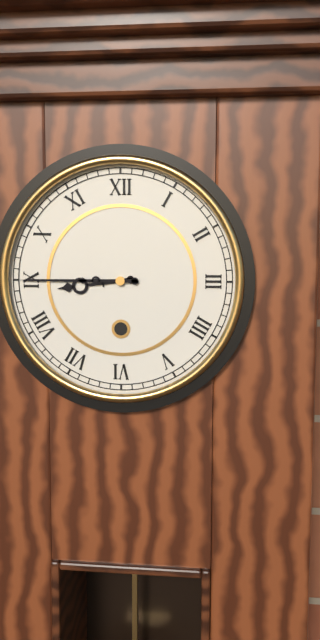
8:45
